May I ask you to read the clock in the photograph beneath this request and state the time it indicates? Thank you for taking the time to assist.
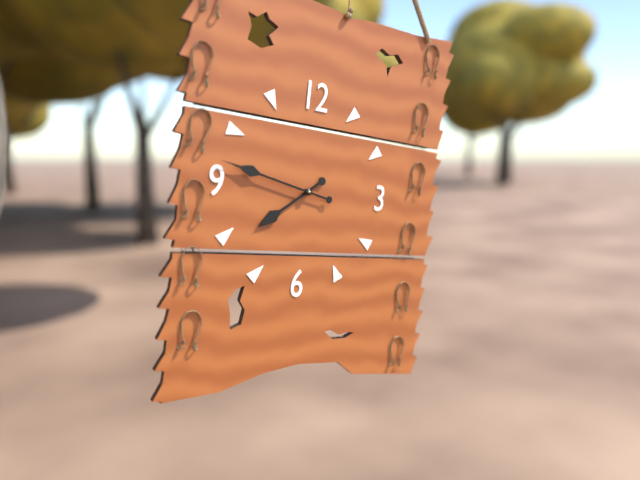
7:47
